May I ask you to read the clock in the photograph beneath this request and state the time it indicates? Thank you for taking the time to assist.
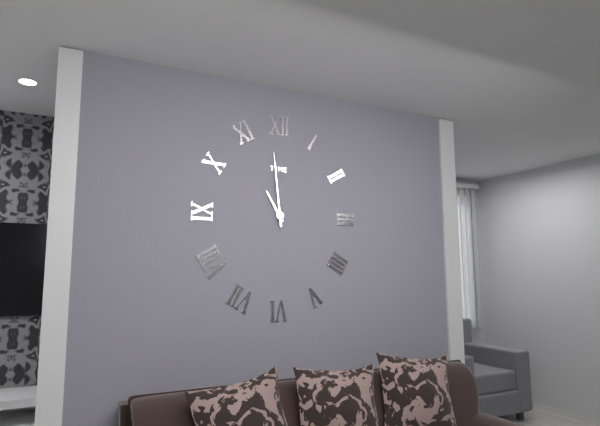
10:59
